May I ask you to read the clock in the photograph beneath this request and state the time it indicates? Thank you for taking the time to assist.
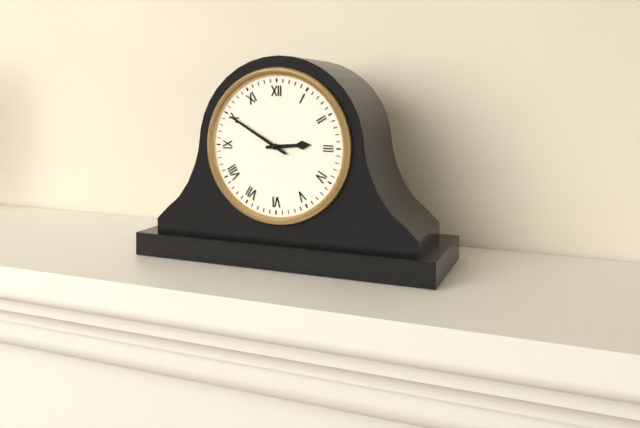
2:50
